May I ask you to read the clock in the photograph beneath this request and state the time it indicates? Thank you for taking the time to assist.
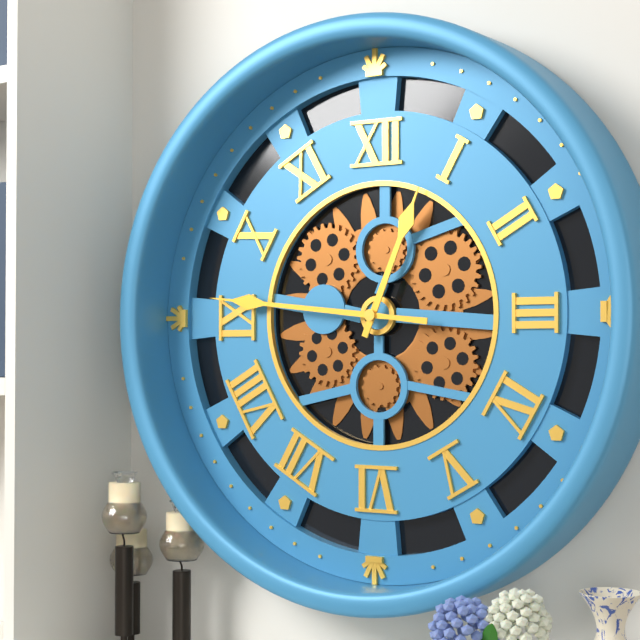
12:46
